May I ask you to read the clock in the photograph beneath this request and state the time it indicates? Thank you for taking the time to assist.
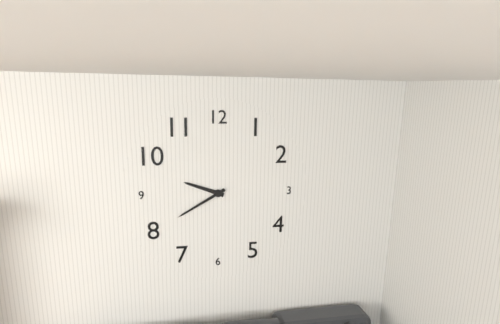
9:40
